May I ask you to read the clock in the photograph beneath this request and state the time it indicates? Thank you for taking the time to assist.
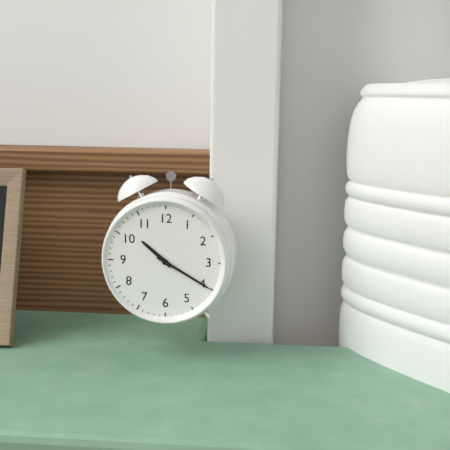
10:20
